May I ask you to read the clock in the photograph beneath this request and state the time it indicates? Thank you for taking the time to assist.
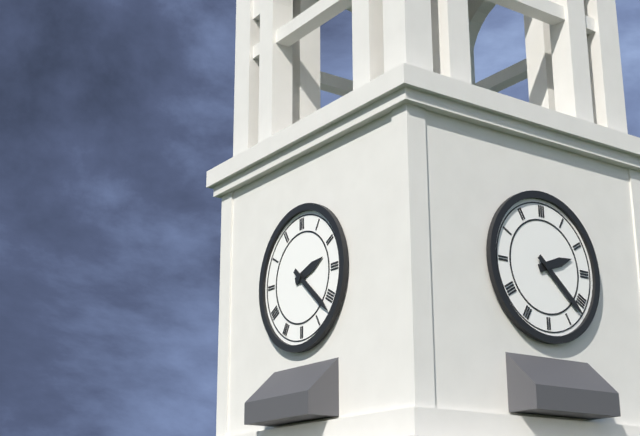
2:22
